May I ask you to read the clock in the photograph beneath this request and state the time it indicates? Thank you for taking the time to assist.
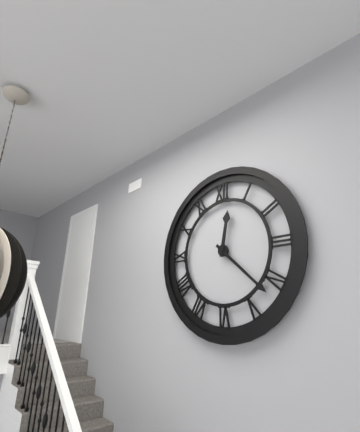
12:22
